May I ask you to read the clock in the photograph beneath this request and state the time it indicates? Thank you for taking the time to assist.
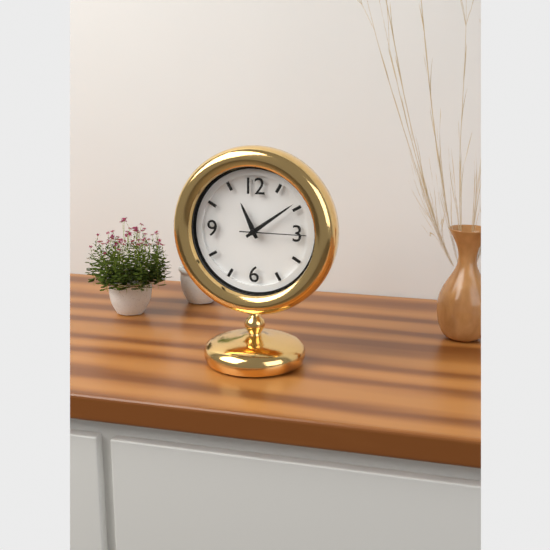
11:09:15
